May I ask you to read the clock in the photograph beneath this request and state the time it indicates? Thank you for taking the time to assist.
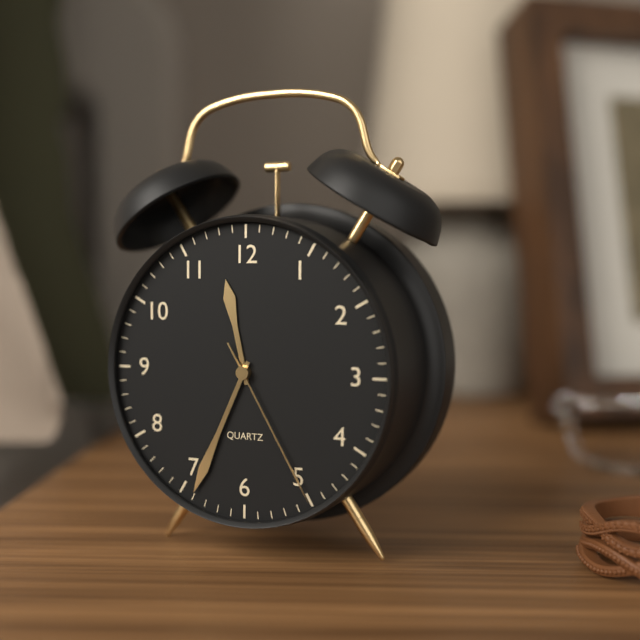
11:34:25
